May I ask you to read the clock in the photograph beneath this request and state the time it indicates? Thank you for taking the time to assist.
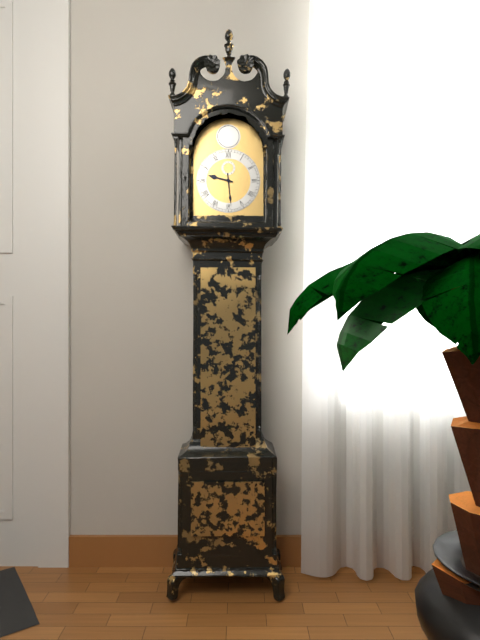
9:29
